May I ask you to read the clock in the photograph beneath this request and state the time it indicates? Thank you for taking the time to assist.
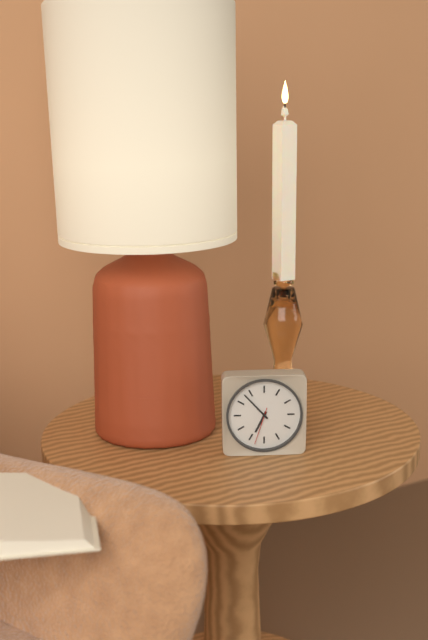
6:53
